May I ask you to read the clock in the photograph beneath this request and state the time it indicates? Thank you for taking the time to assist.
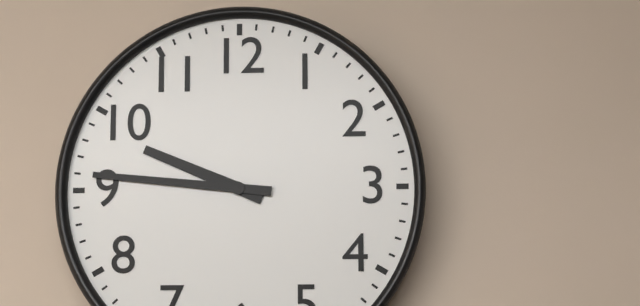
9:46
